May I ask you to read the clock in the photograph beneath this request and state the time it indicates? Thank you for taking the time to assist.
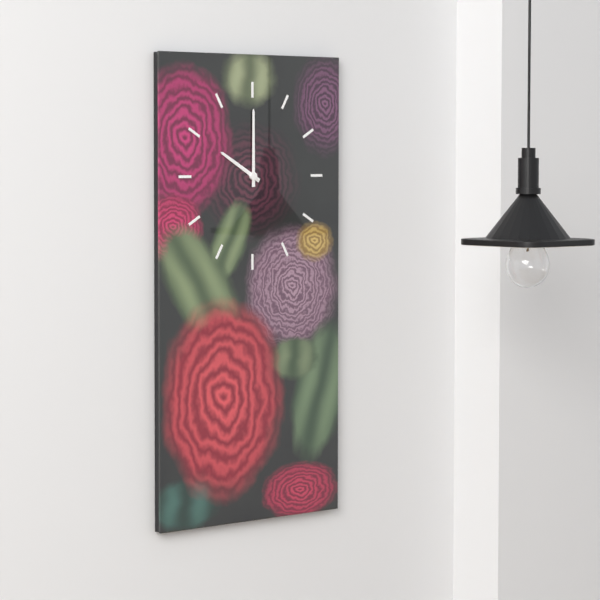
10:00
